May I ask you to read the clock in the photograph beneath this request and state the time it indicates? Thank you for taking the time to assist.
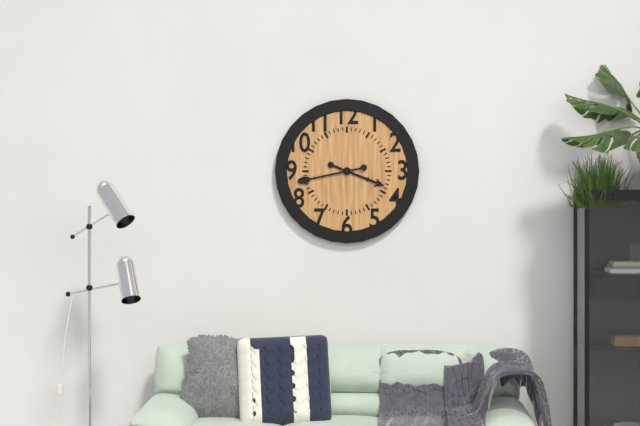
3:43
